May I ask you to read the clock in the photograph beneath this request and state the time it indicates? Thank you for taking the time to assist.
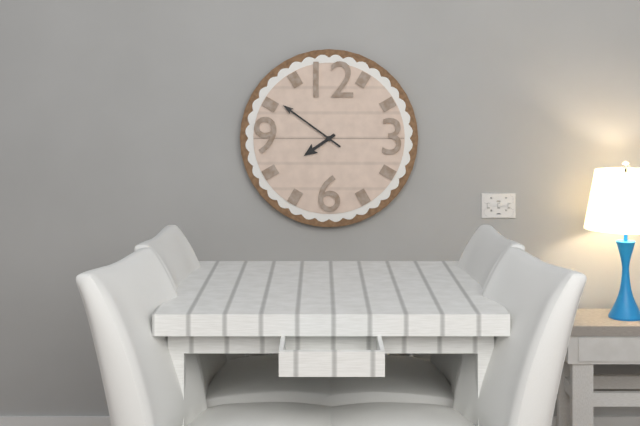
7:51
